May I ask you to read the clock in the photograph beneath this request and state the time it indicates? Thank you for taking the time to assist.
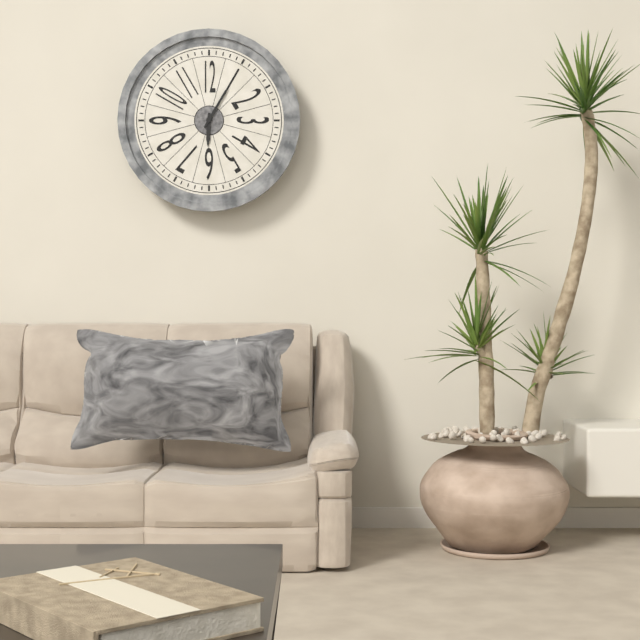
6:05
